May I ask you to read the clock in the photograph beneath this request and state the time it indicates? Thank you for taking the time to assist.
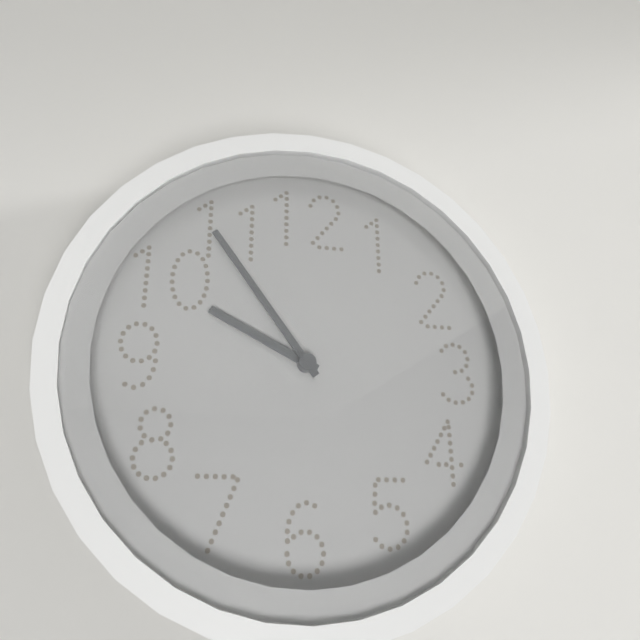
9:54
